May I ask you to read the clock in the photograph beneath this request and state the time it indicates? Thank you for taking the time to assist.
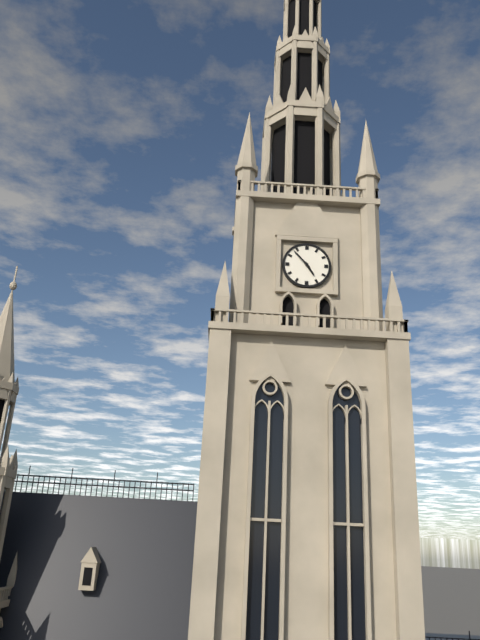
4:53
